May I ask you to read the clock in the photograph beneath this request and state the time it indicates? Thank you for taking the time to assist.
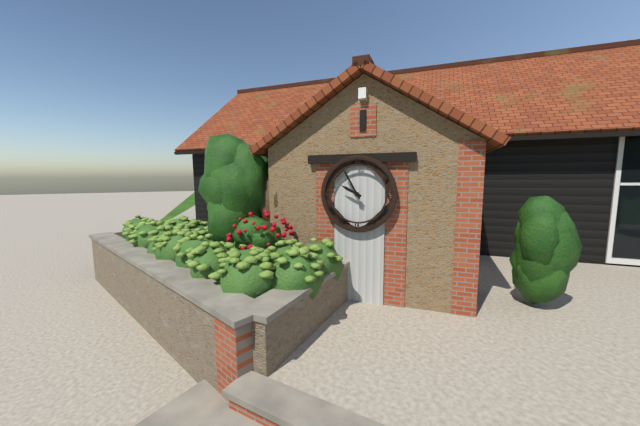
9:55
